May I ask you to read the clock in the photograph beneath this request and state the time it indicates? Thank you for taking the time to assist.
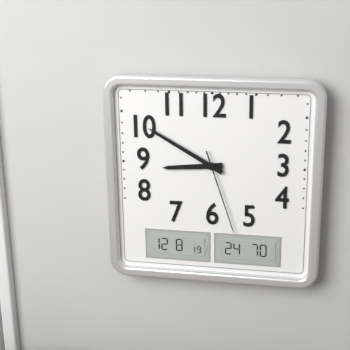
8:50:27
